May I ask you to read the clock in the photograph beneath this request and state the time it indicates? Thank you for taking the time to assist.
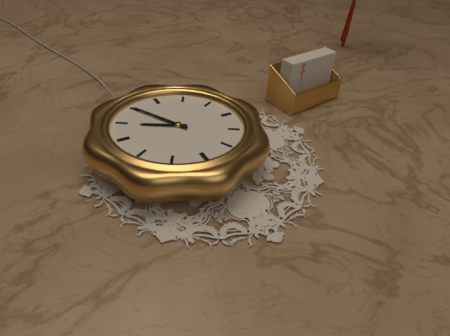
9:55
